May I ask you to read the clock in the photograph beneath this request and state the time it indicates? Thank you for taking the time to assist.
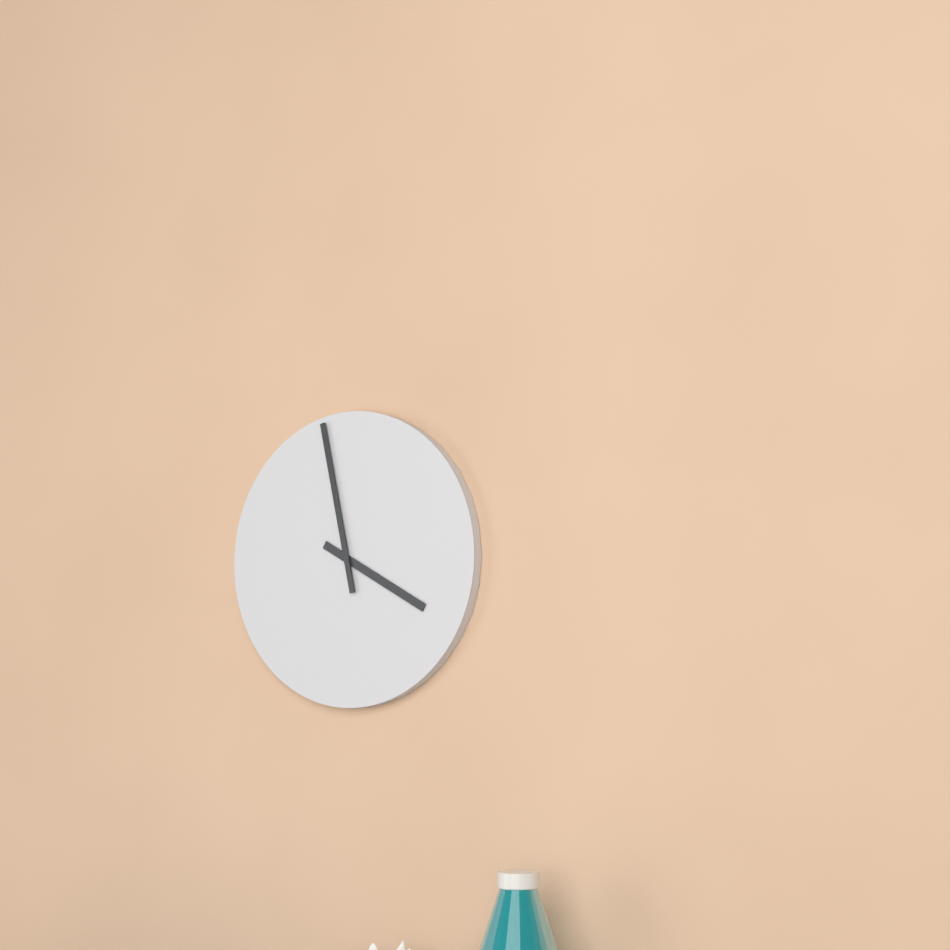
3:58
